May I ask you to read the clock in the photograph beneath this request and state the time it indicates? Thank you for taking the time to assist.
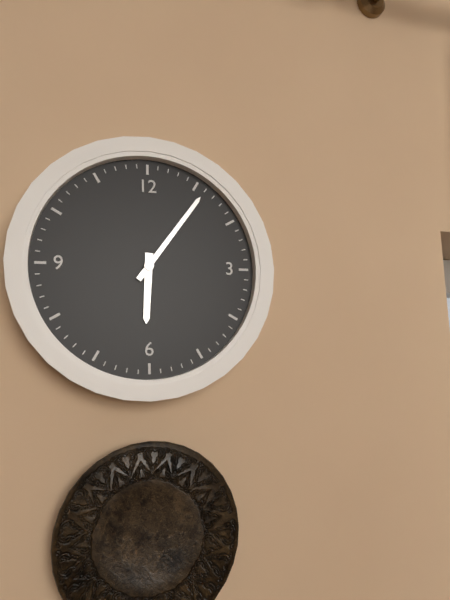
6:06
